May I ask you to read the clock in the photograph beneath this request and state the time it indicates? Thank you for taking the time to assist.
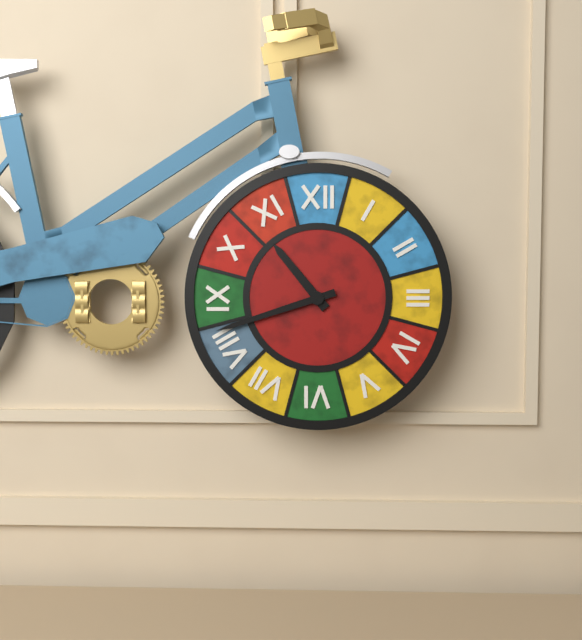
10:42
